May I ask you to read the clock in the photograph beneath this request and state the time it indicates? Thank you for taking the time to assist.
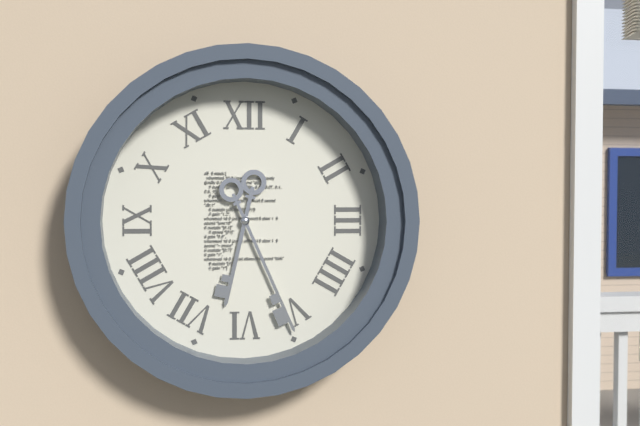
6:26
